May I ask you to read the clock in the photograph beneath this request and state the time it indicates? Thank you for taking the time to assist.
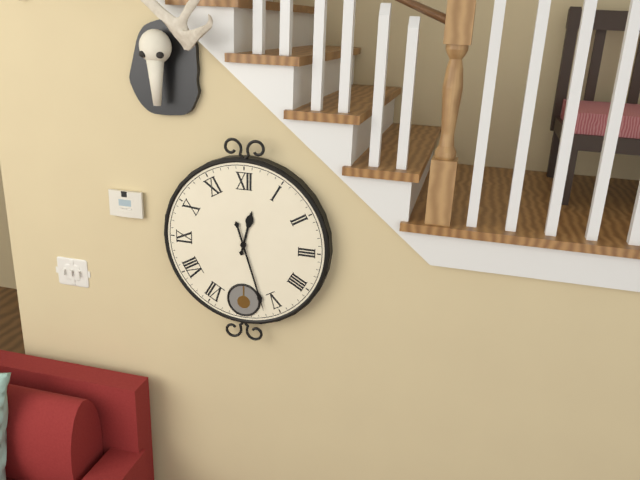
12:27
